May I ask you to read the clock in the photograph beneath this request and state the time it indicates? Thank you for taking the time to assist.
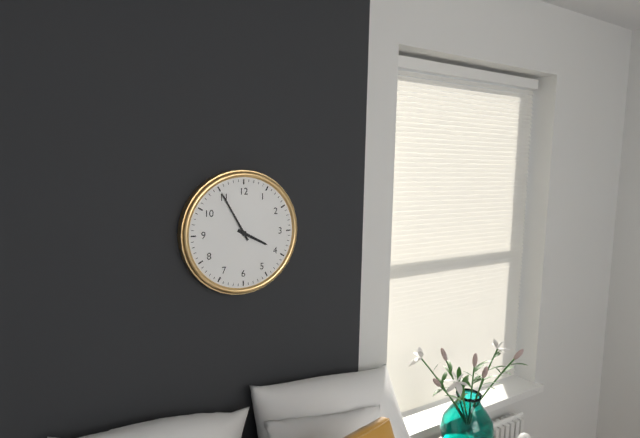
3:55
